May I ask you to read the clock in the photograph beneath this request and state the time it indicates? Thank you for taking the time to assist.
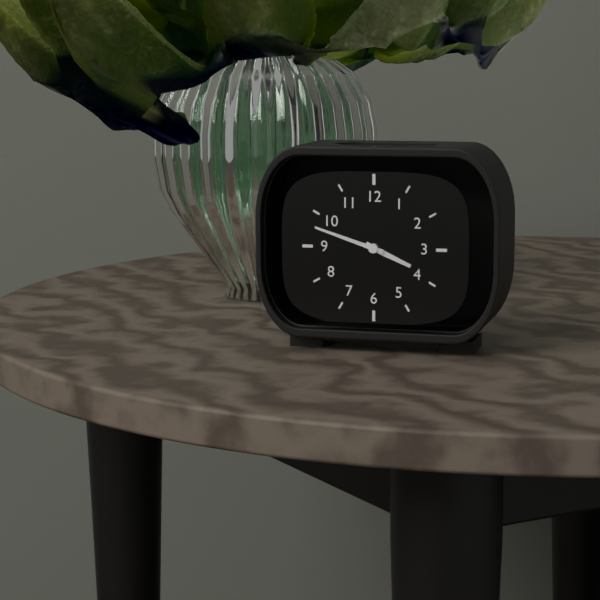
3:48
